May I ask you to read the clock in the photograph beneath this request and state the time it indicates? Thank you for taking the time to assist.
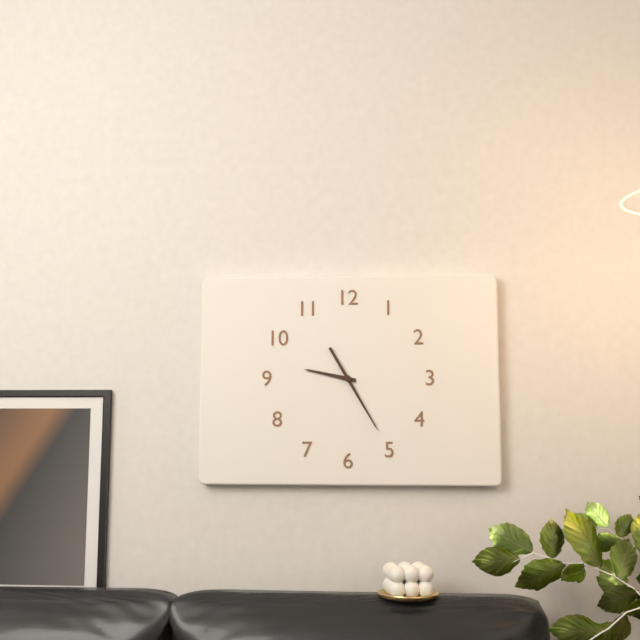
9:25
